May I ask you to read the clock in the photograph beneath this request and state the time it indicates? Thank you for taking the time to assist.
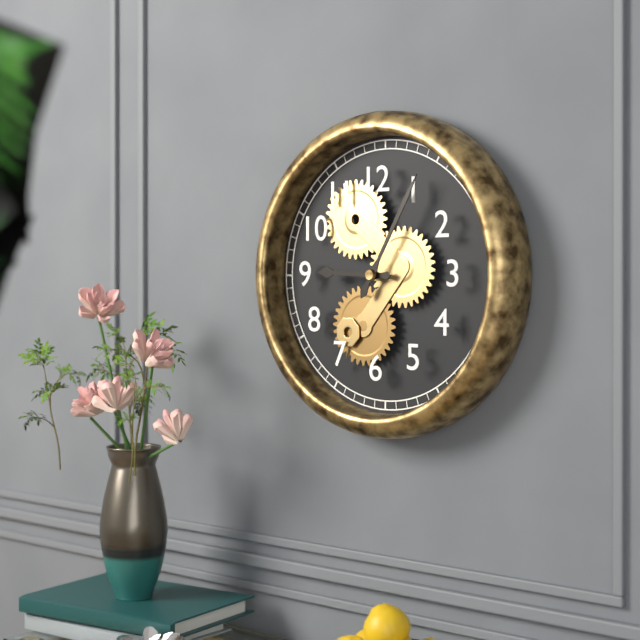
9:05
